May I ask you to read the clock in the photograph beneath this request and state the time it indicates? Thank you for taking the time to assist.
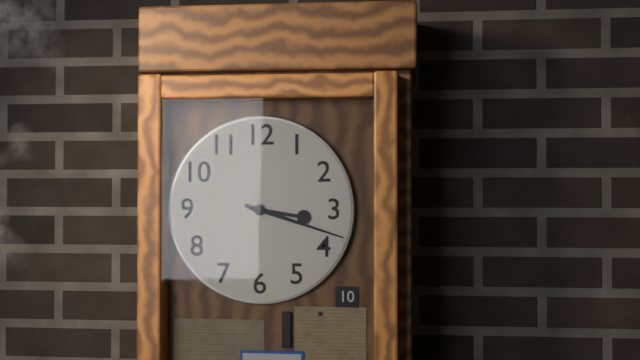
3:18
